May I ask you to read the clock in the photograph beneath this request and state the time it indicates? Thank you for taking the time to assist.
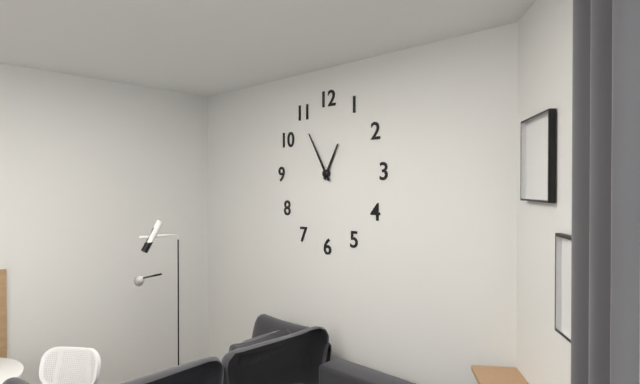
12:55
